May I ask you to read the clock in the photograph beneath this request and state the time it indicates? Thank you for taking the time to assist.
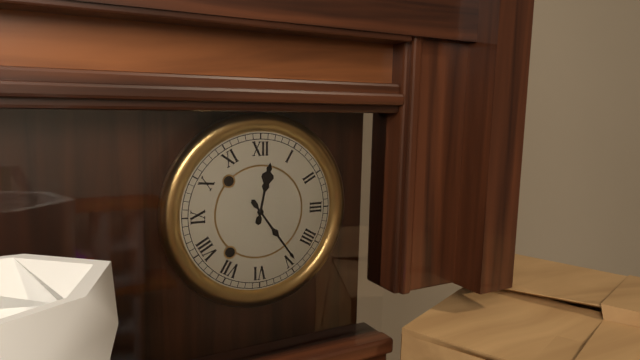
12:24
